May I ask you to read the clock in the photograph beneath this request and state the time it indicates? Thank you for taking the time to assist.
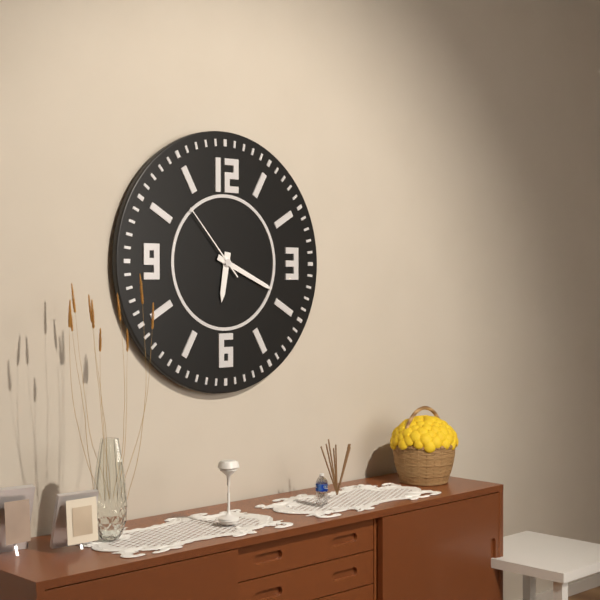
6:19:53
